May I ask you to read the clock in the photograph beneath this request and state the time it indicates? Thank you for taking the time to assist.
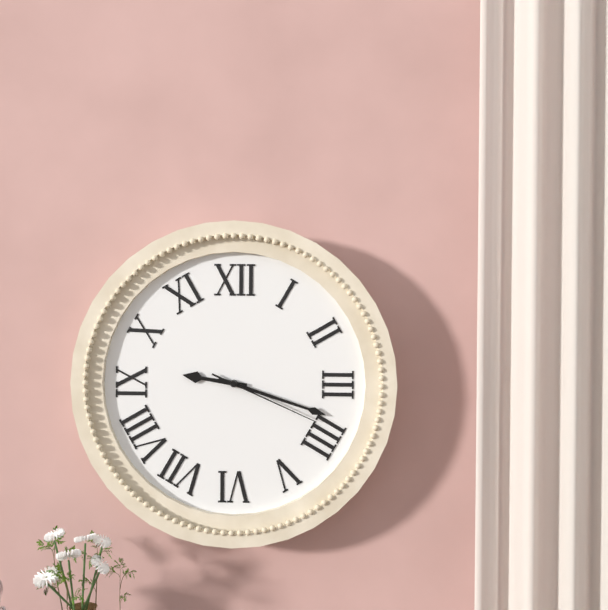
9:18:19
